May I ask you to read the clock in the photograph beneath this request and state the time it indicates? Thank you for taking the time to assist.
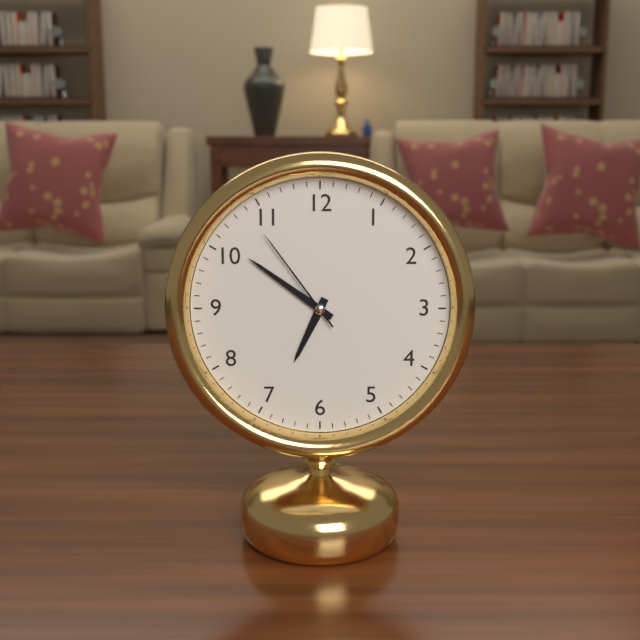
6:51:54
